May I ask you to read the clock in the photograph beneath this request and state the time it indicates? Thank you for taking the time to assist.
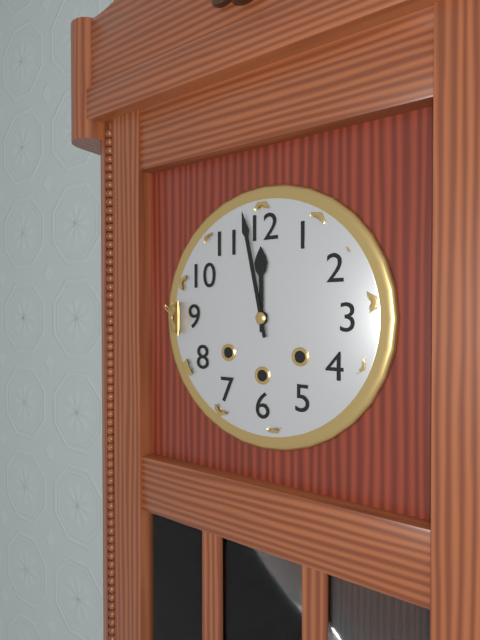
11:58
